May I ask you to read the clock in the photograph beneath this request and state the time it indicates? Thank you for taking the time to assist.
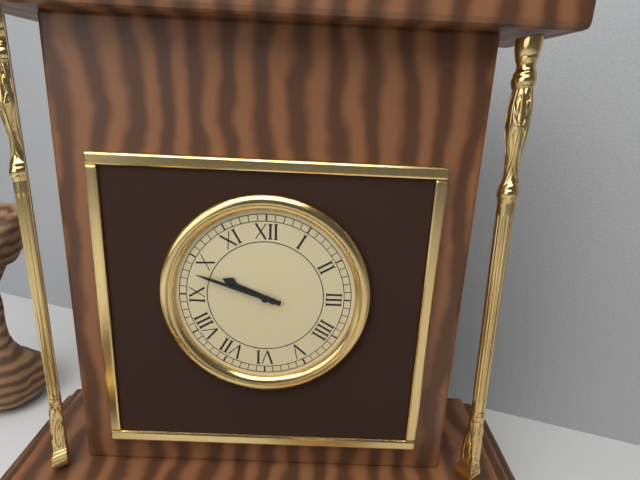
9:48
